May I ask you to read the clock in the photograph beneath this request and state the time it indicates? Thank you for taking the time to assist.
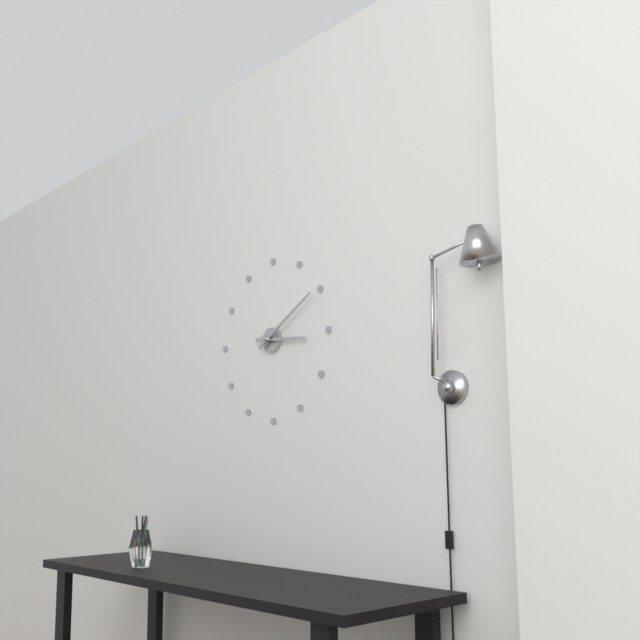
3:10
